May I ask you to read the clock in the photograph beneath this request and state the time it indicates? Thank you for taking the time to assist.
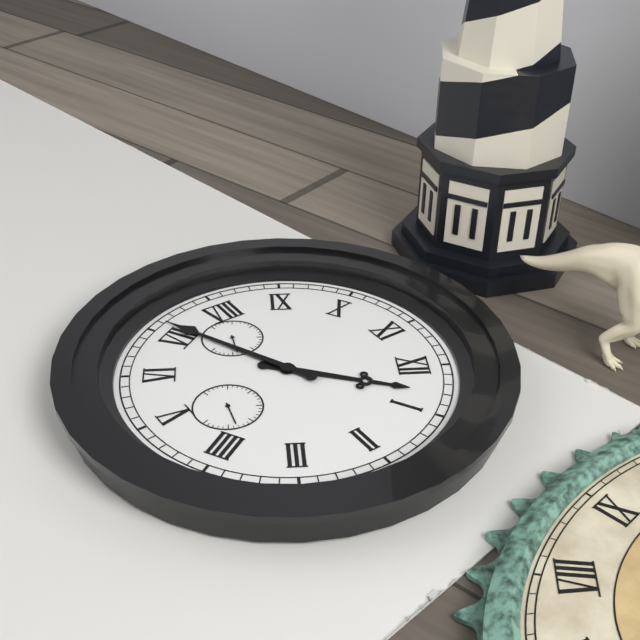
12:36
